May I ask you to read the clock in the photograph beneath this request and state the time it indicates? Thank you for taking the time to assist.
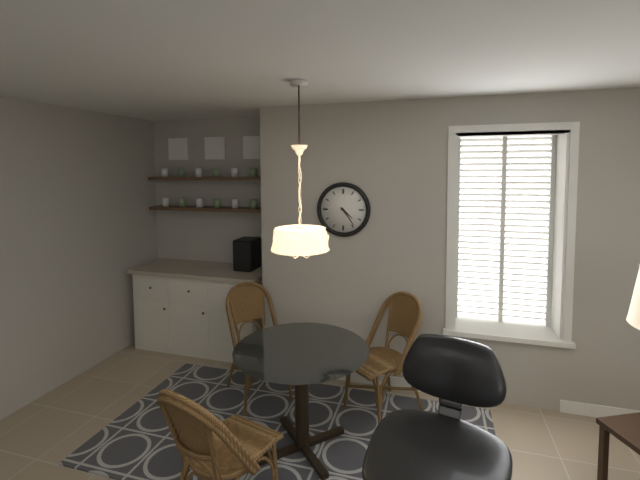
4:24
